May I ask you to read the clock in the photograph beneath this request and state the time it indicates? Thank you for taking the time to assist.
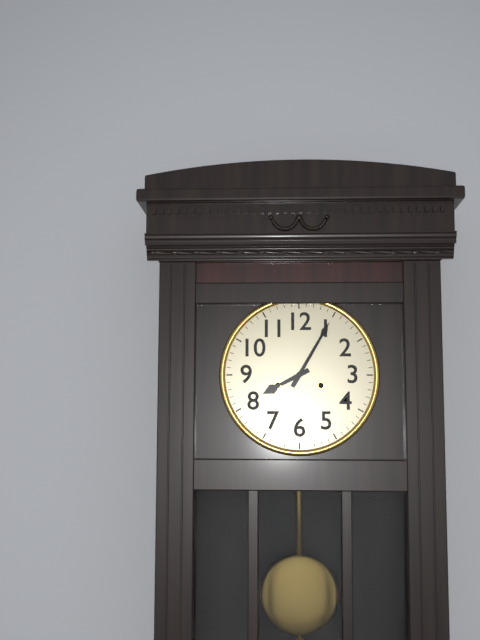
8:05
